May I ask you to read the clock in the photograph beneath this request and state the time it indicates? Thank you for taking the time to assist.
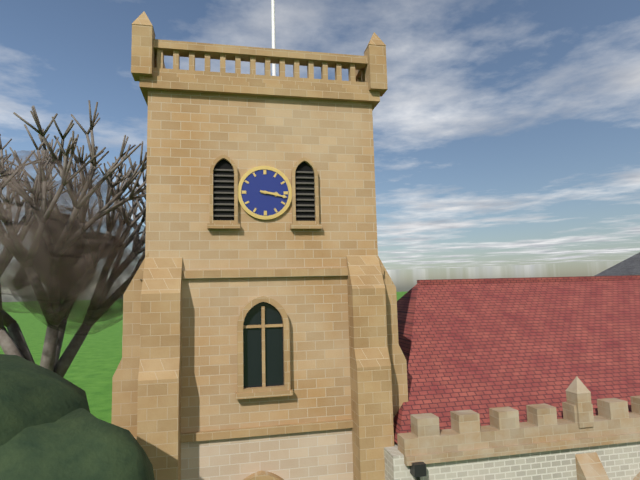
3:17
